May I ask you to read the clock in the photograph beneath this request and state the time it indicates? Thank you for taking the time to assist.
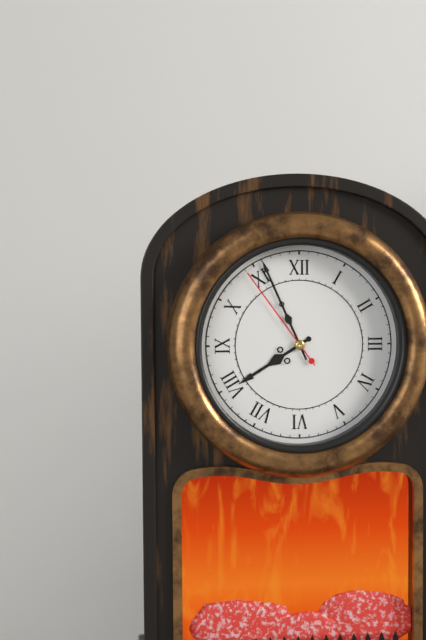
7:56:54
